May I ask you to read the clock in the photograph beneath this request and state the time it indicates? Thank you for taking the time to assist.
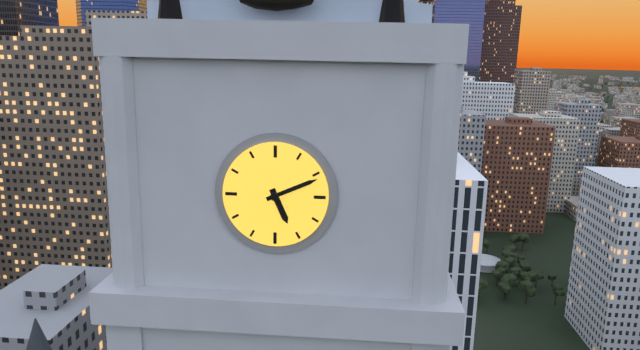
5:11
